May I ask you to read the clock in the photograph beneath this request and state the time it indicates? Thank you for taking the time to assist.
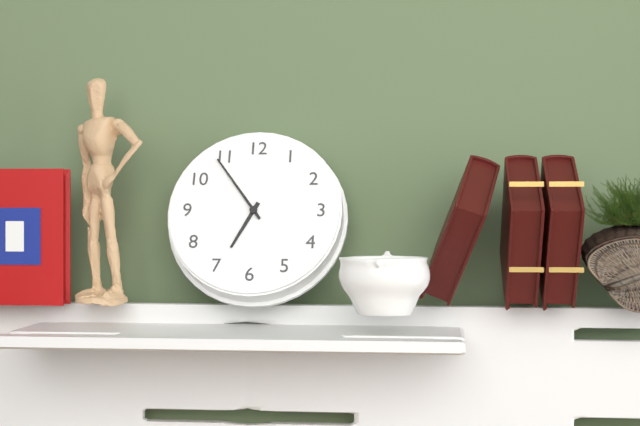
6:54
